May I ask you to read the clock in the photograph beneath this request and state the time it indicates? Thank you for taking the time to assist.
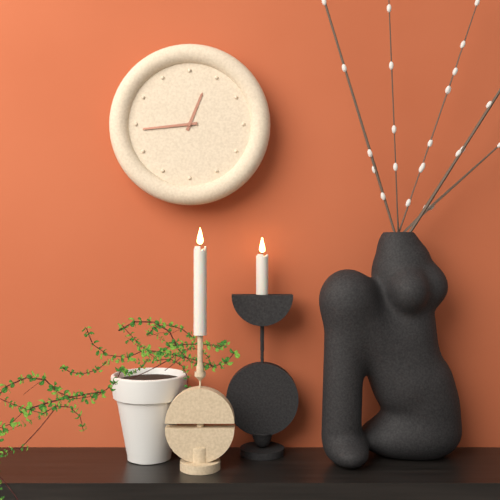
12:44
